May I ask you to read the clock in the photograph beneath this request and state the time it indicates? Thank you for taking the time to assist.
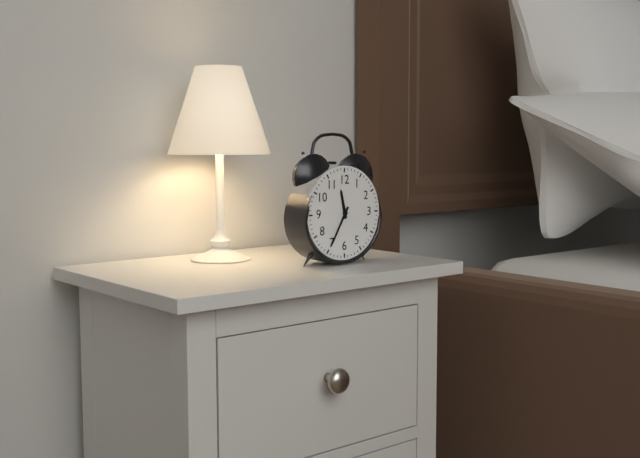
11:35
